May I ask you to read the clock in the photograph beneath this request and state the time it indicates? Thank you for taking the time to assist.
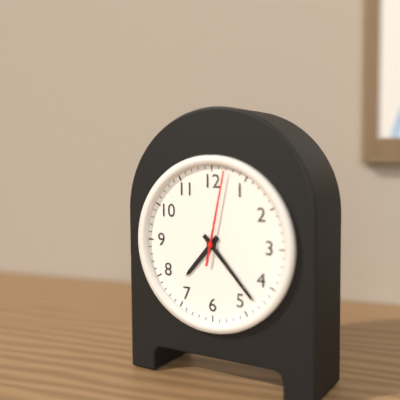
7:23:02
